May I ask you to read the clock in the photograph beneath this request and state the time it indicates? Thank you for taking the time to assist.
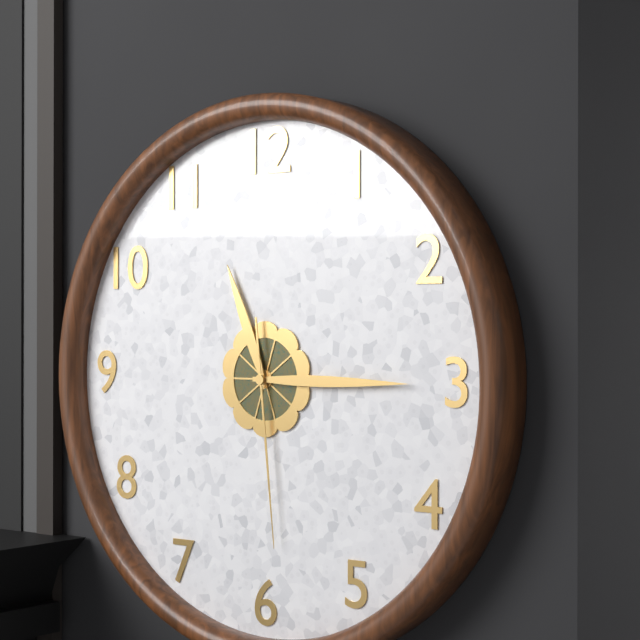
11:15:29
